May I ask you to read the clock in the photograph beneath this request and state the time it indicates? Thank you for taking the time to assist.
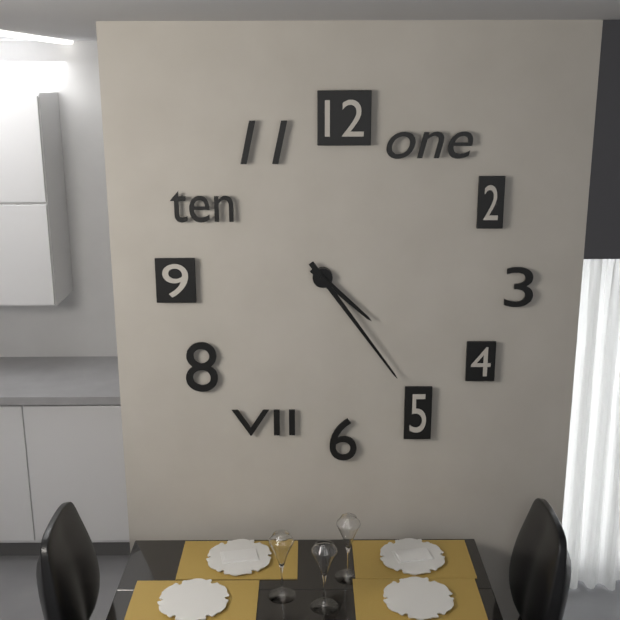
4:24
